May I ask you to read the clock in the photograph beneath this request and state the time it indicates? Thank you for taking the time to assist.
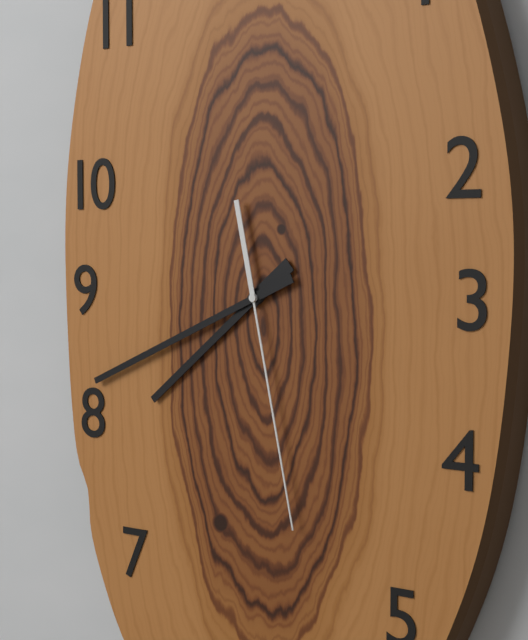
7:41:28
